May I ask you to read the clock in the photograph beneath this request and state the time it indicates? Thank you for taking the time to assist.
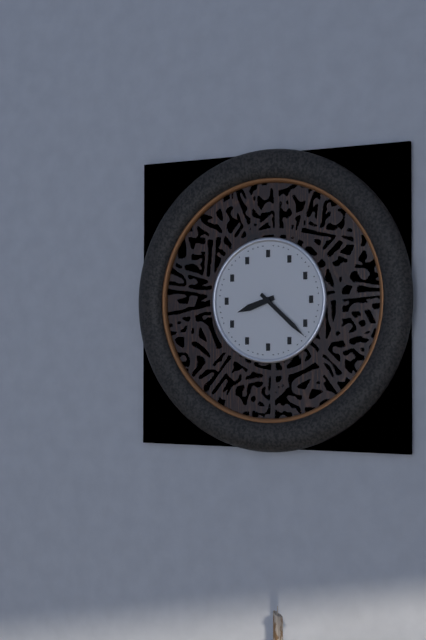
8:22
